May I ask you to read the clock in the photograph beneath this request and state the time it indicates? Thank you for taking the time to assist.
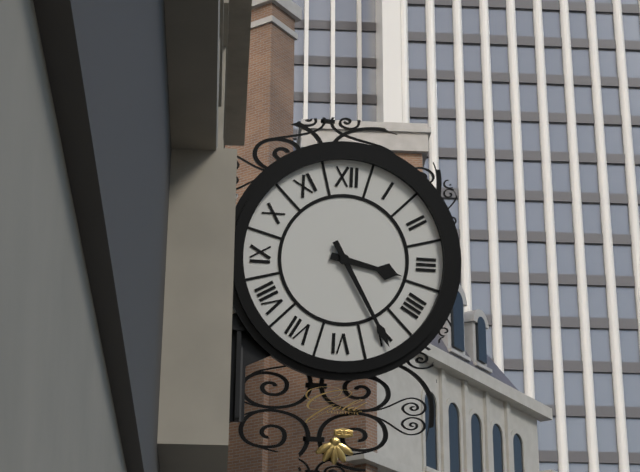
3:25
